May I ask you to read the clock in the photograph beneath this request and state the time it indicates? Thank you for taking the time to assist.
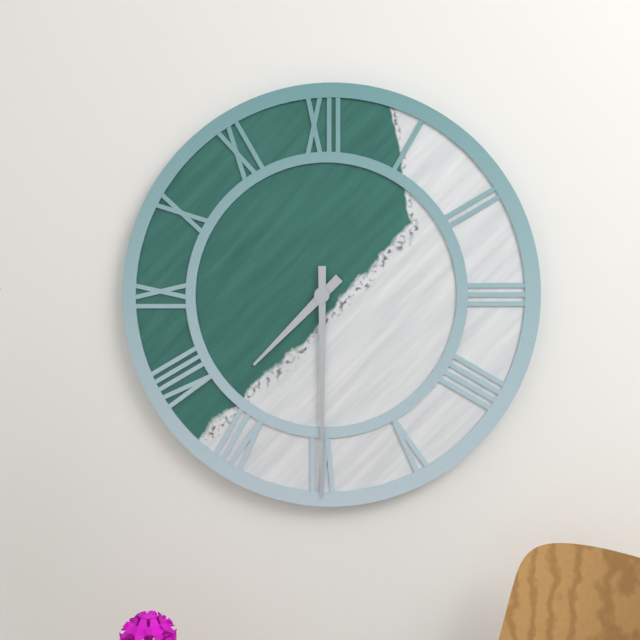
7:30
